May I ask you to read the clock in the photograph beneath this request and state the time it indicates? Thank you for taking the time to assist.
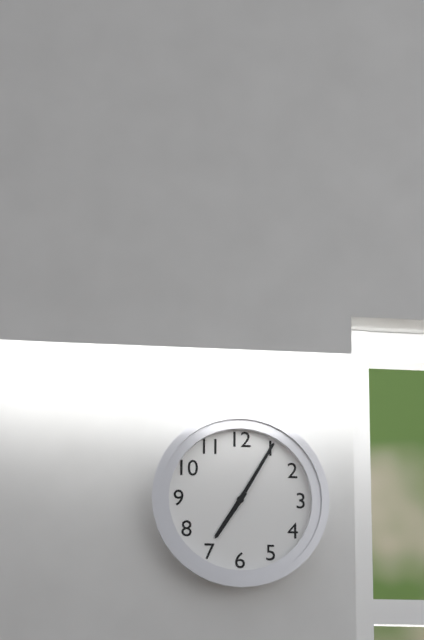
7:05
